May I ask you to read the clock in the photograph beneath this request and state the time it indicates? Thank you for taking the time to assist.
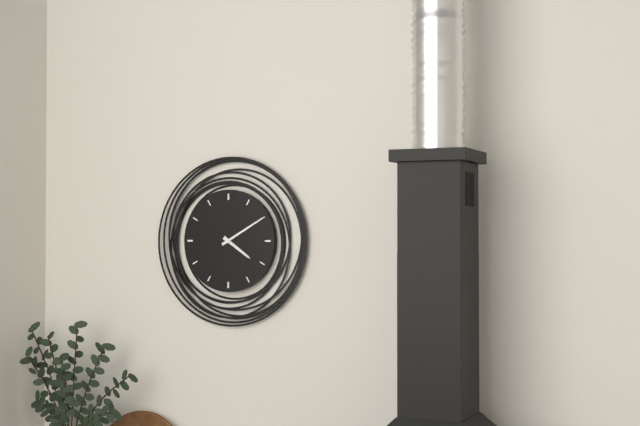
4:10
